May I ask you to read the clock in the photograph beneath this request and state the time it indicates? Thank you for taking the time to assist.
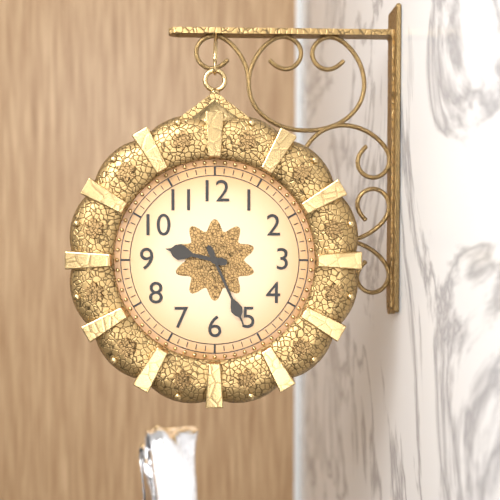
9:26
